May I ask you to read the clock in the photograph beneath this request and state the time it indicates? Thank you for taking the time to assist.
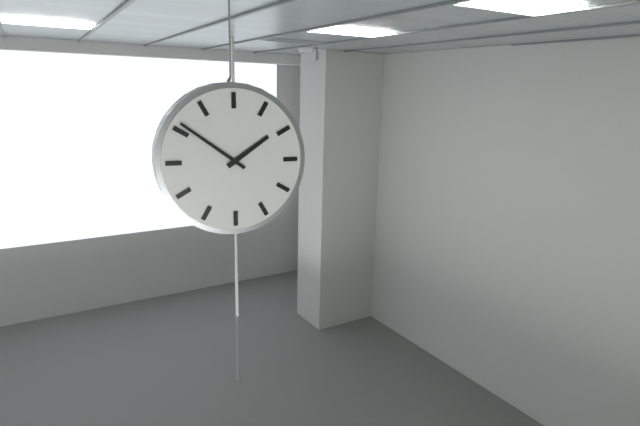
1:51
